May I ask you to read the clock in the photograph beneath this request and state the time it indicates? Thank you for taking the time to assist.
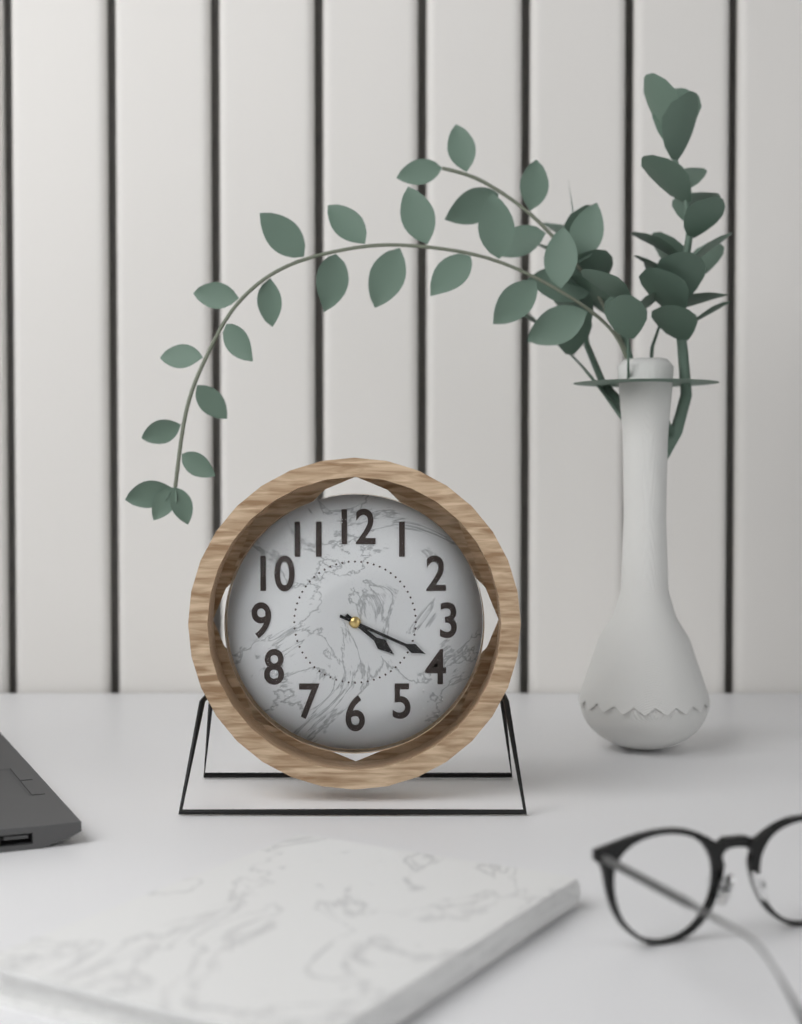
4:19
